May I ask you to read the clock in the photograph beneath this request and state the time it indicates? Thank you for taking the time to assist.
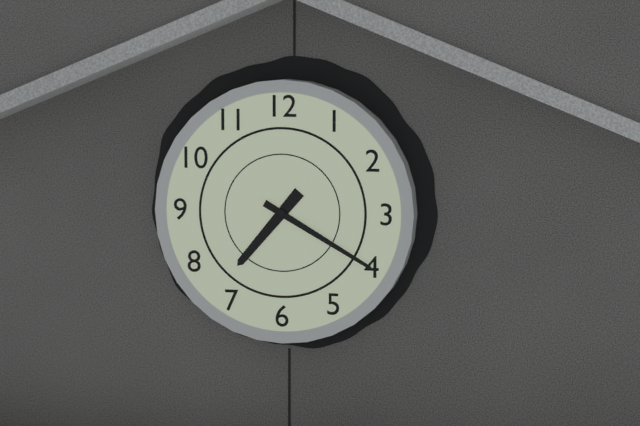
7:20
